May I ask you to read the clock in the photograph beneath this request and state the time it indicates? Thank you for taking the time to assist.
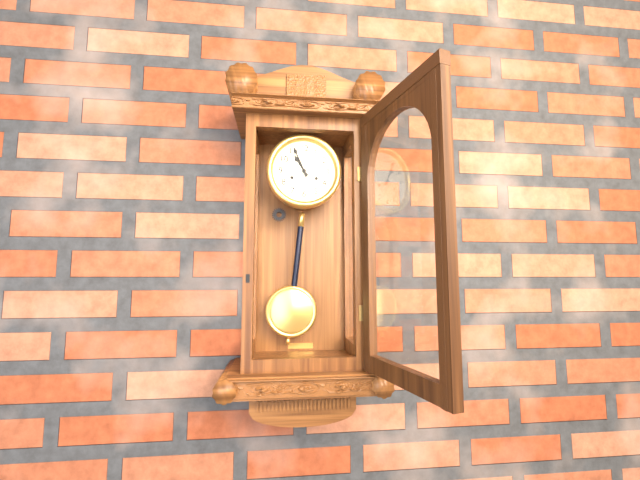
10:56
